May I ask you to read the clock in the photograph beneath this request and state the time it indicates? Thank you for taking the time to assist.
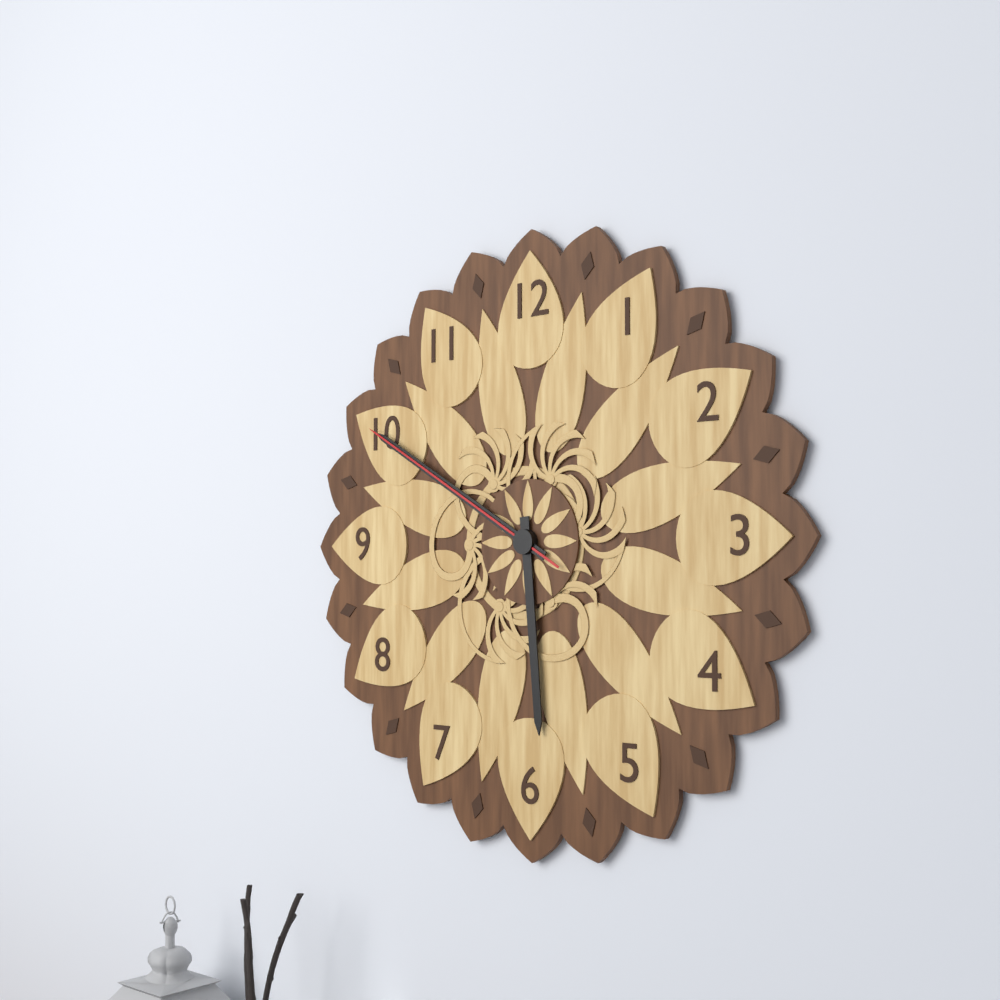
5:50:50
